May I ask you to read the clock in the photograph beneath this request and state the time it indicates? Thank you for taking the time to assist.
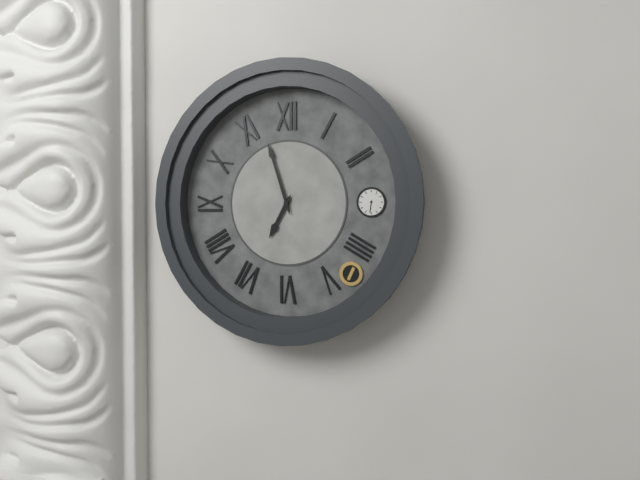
6:57
